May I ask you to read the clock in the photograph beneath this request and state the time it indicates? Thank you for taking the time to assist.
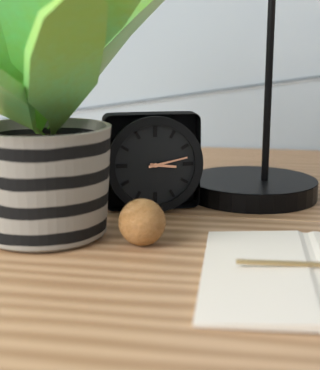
3:13
